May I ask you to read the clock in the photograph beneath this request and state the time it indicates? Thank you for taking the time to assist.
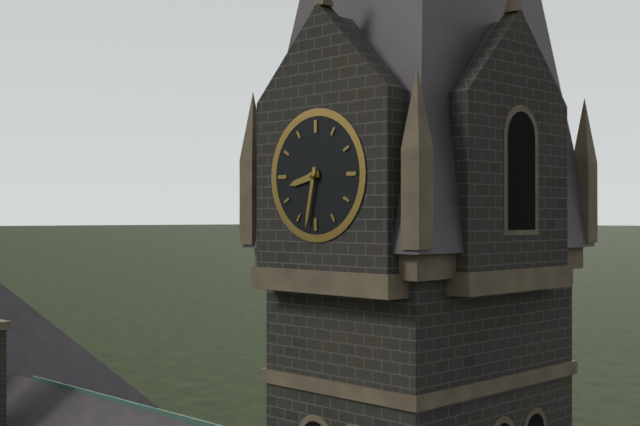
8:32
